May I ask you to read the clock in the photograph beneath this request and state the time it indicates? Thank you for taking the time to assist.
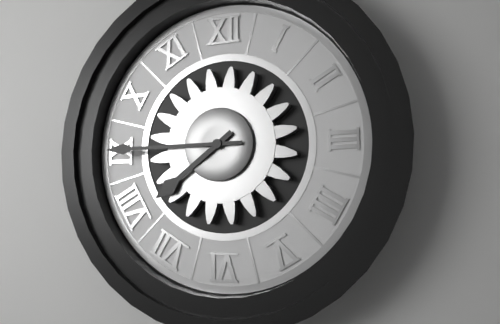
7:45
